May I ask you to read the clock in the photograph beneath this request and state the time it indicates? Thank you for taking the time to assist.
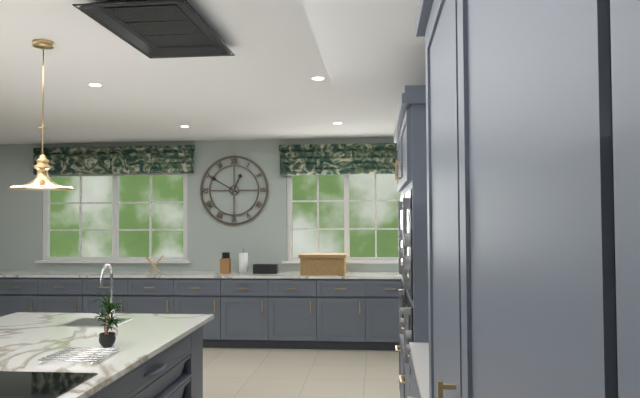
12:50
